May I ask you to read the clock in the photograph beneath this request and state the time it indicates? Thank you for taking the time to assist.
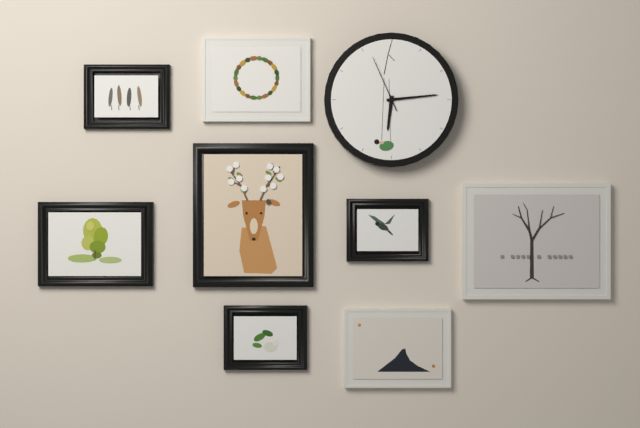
6:14:56
